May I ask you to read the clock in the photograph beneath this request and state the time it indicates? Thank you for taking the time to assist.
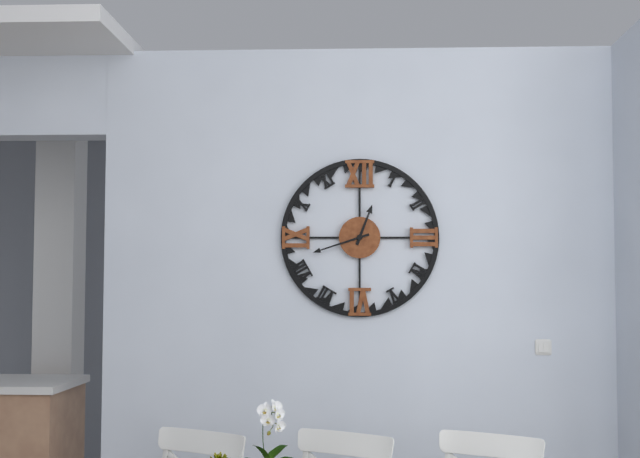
12:42
